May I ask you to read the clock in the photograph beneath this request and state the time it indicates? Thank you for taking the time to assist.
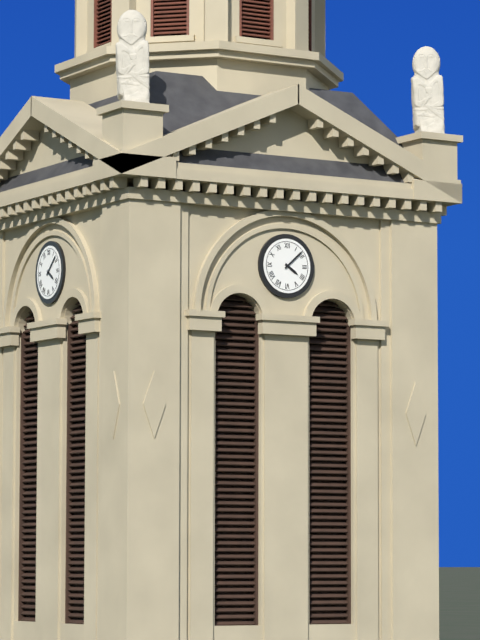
4:08
